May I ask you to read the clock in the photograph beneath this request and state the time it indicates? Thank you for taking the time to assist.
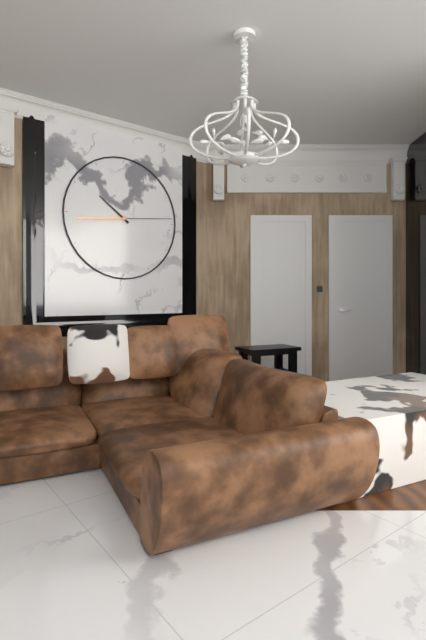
10:14
